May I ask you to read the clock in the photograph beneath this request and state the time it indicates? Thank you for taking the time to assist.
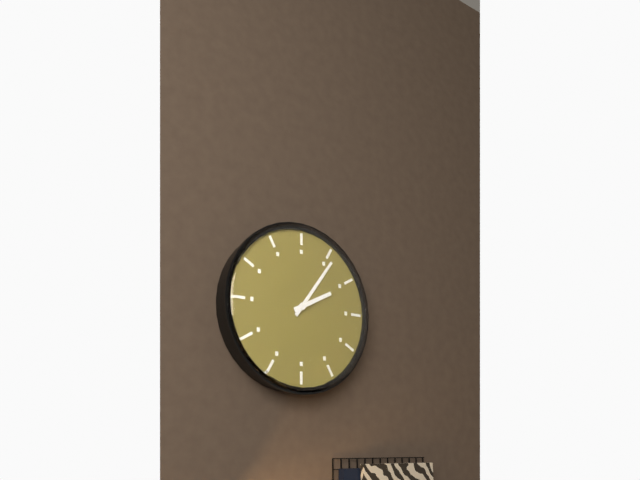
2:06
